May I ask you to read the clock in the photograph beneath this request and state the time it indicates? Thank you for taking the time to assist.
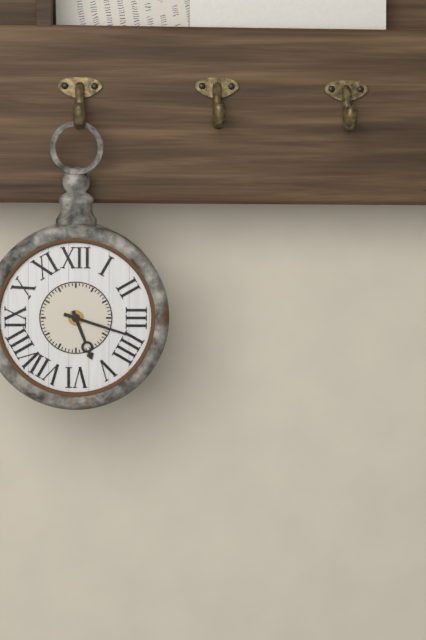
5:18
